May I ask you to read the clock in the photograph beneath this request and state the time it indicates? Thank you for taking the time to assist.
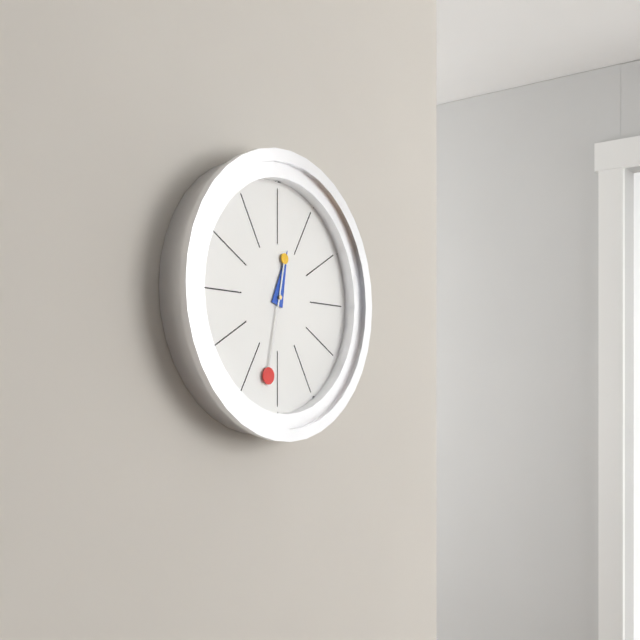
12:32
